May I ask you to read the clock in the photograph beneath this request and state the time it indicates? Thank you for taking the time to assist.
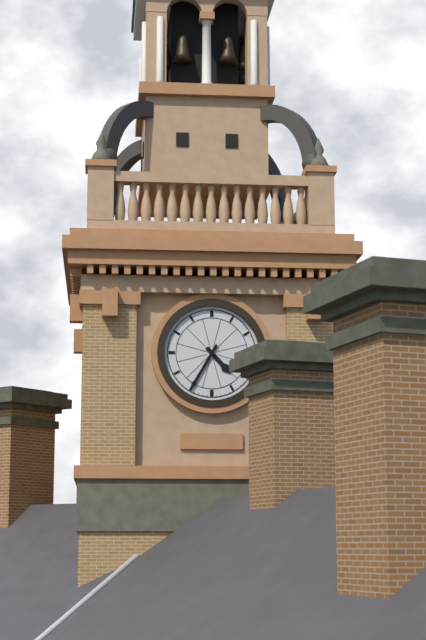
4:35
